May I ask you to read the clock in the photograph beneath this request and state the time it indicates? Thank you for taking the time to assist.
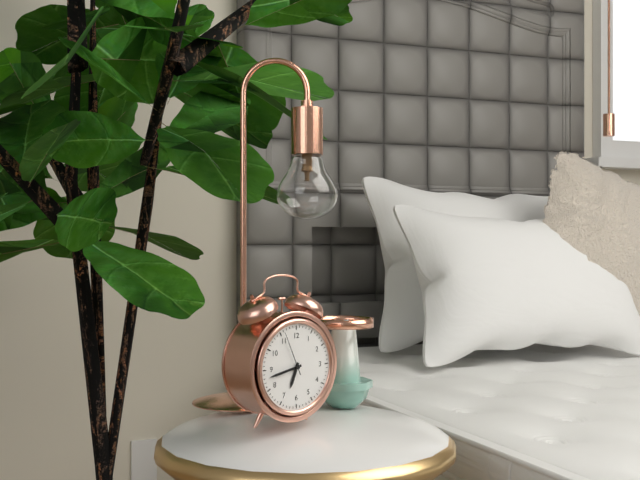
6:43
